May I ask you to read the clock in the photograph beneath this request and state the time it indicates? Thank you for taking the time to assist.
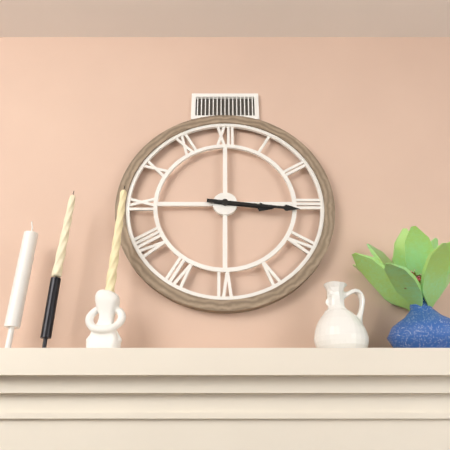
3:16
